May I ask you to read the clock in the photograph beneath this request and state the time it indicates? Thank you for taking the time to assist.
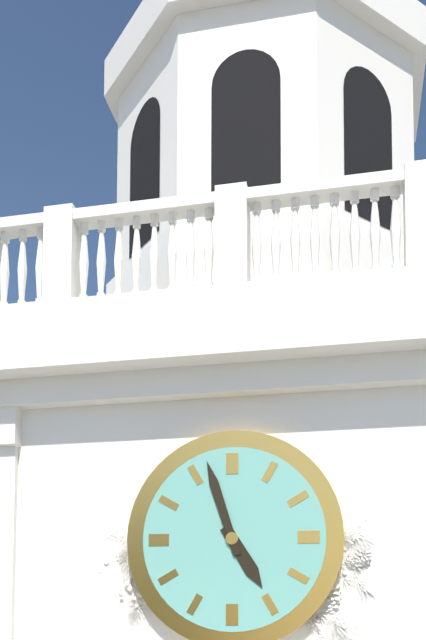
4:57
